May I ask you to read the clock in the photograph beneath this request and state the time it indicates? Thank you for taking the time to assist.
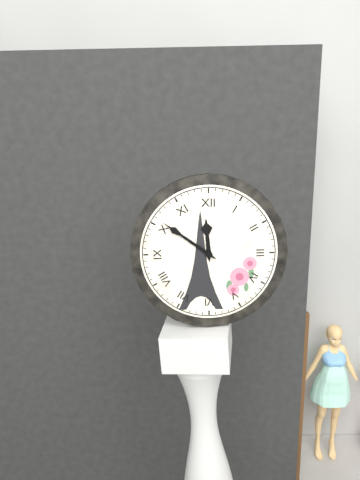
11:51
